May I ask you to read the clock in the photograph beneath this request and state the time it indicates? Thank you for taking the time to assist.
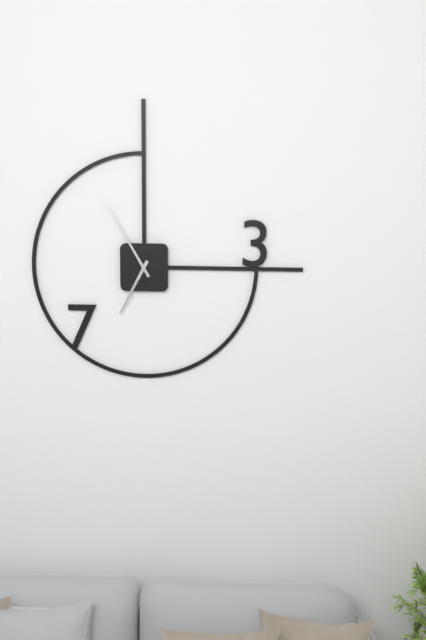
6:55
